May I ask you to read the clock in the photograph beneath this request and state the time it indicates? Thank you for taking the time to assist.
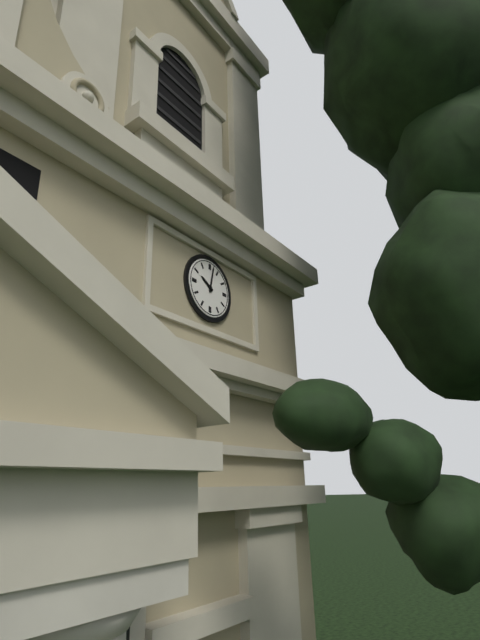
10:02
